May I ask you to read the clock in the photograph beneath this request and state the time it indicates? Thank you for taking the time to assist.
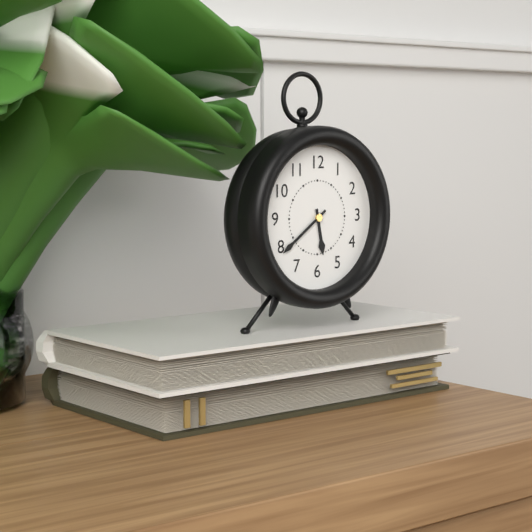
5:39
